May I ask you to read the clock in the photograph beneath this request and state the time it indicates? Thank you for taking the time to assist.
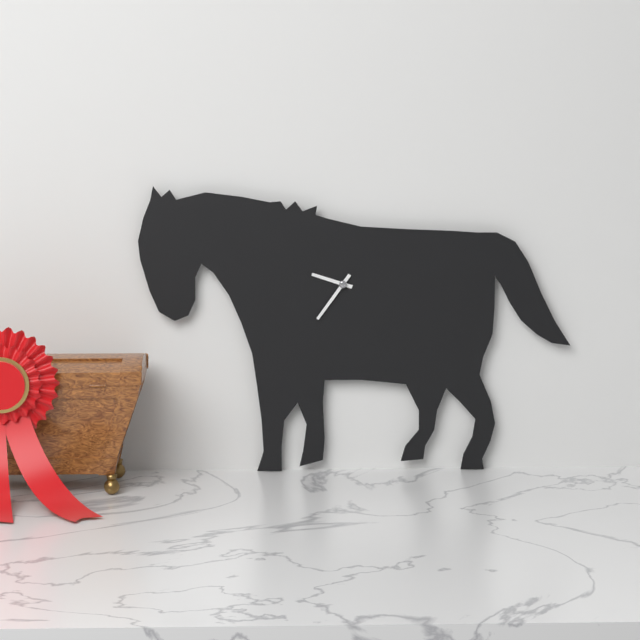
9:36
